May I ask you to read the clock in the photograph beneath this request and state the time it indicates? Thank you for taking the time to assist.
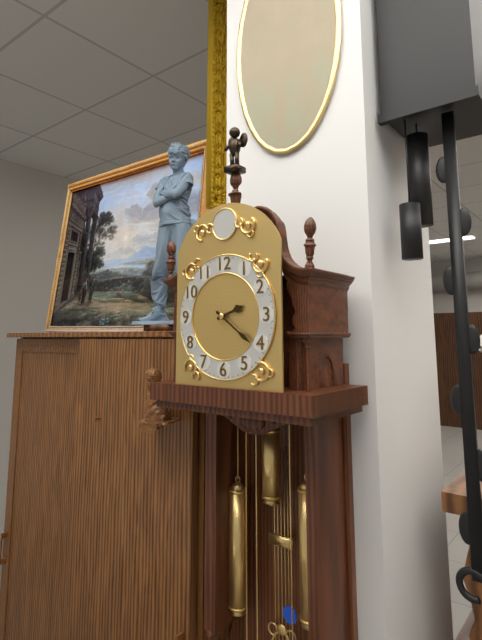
2:21
